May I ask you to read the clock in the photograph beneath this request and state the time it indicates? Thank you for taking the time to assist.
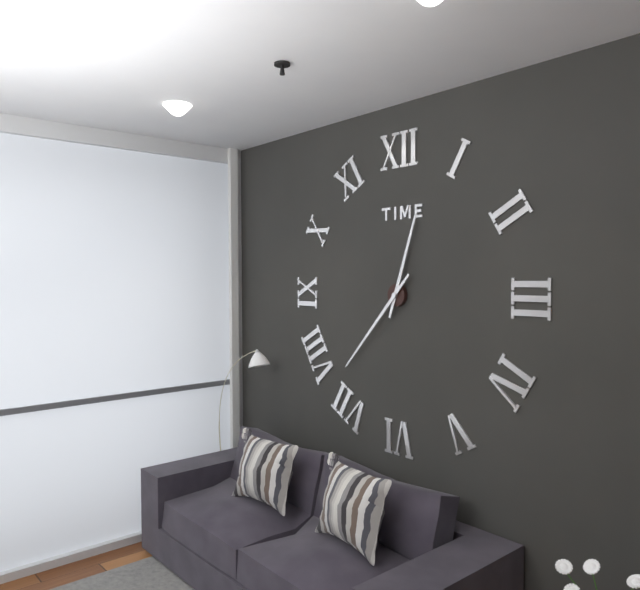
12:37
